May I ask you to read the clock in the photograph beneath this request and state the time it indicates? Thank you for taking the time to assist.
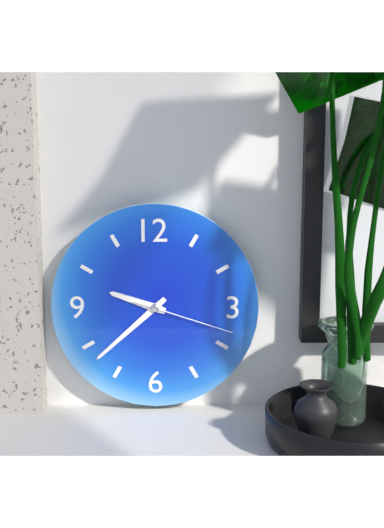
9:38:18
